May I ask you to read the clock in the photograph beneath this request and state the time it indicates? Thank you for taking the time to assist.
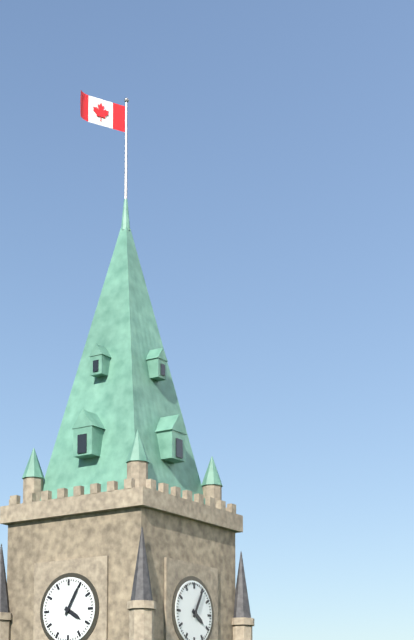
4:05
